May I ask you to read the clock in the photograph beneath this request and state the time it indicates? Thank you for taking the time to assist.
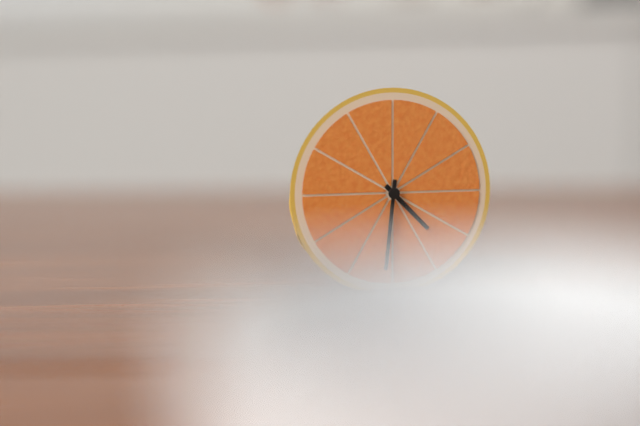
4:31
